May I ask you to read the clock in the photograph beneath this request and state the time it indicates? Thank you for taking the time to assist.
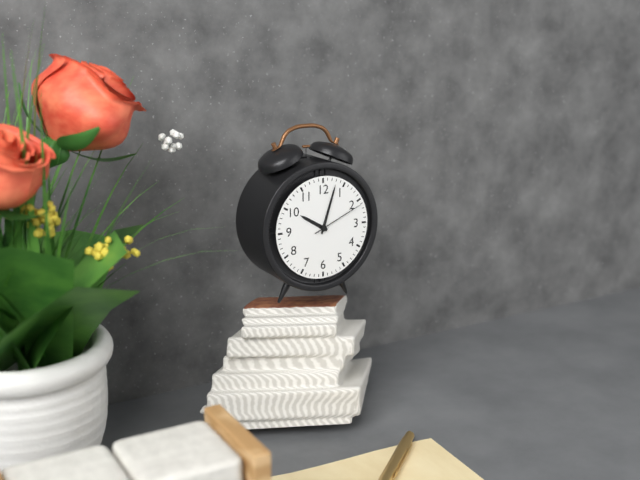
10:03:11
